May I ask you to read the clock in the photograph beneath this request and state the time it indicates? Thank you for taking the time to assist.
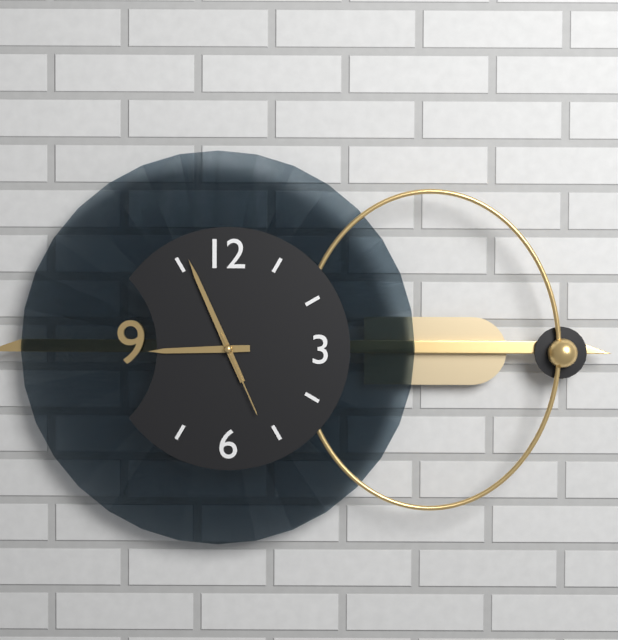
8:56:26
